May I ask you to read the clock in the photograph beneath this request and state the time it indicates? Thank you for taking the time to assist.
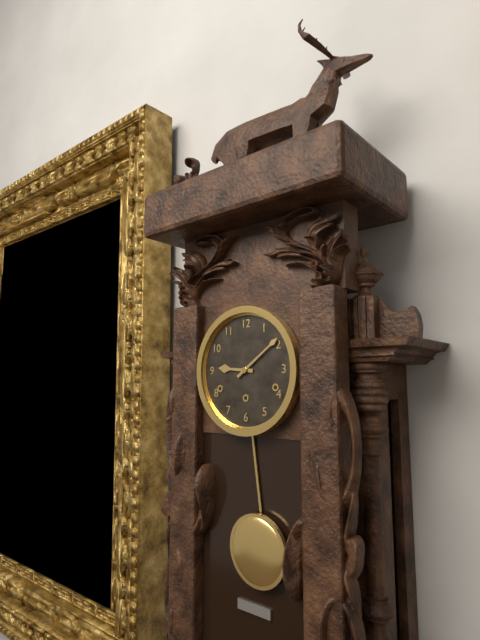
9:09
